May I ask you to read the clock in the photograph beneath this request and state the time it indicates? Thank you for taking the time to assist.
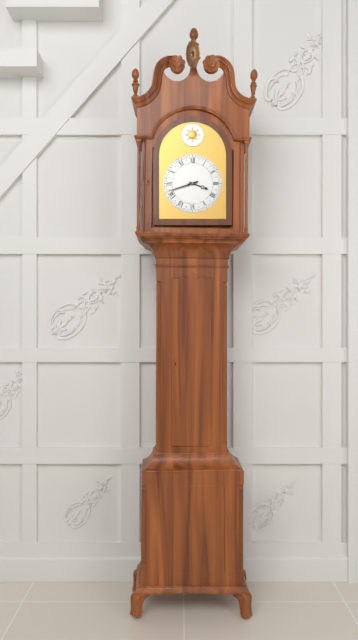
3:42
